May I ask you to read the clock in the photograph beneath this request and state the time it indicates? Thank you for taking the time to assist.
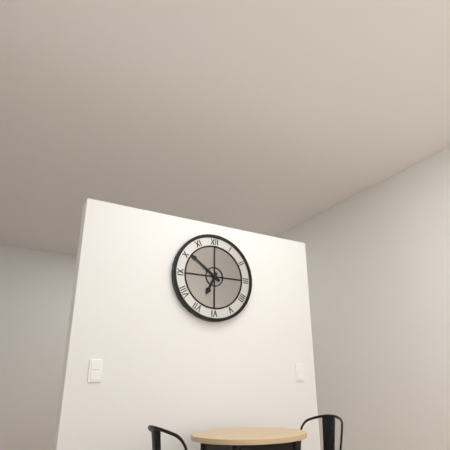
6:51
